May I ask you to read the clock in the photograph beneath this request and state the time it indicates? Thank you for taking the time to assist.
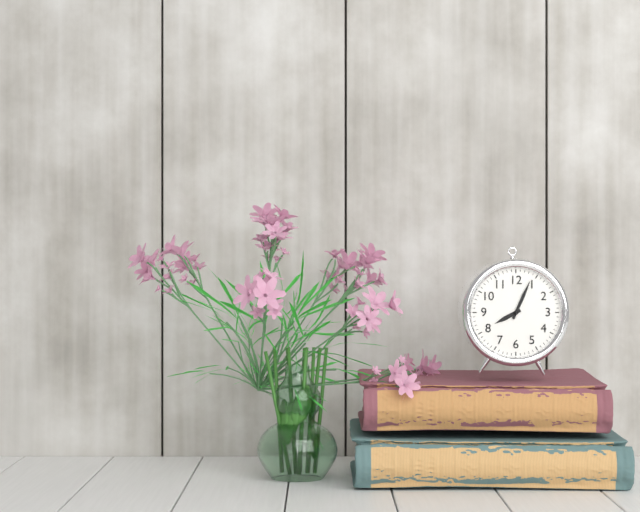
8:04
